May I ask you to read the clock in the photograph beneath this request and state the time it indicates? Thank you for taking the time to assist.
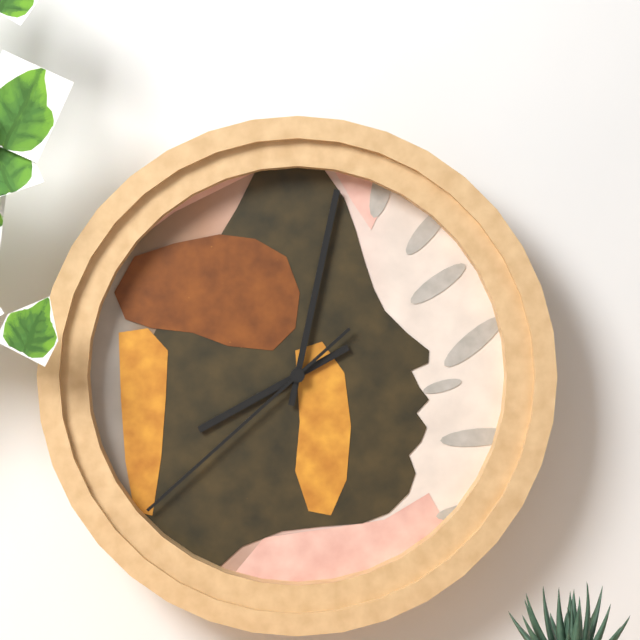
8:02:38
